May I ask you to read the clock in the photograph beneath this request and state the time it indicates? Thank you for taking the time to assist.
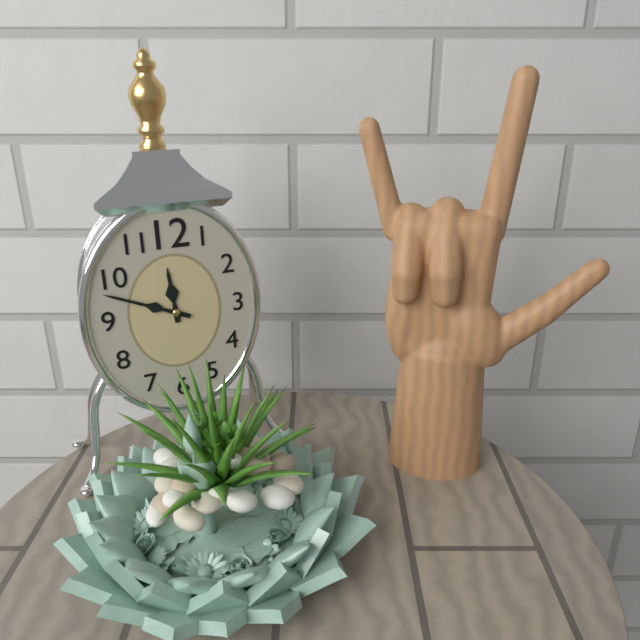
11:49
